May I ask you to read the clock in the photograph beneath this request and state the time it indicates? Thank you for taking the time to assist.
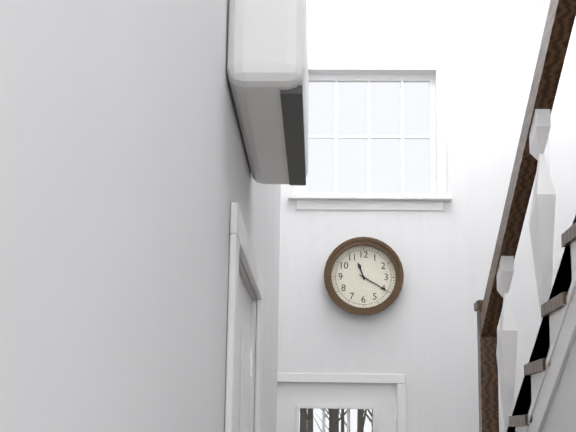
11:20
